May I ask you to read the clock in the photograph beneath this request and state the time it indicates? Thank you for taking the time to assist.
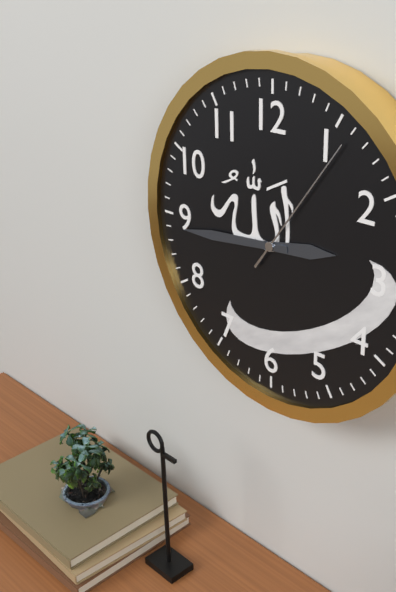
2:44:06
